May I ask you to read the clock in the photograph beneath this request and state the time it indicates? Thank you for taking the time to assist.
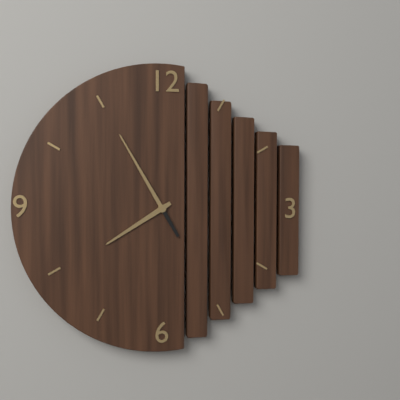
7:55
